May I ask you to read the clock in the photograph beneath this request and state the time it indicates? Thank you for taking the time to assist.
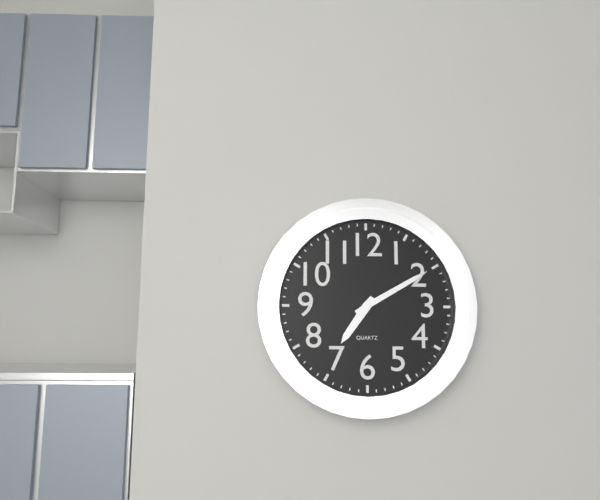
7:10
